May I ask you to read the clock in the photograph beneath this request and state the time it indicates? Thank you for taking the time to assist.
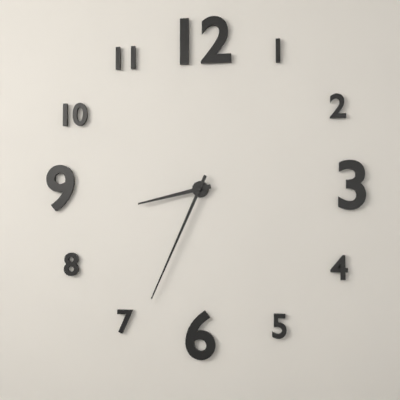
8:34
